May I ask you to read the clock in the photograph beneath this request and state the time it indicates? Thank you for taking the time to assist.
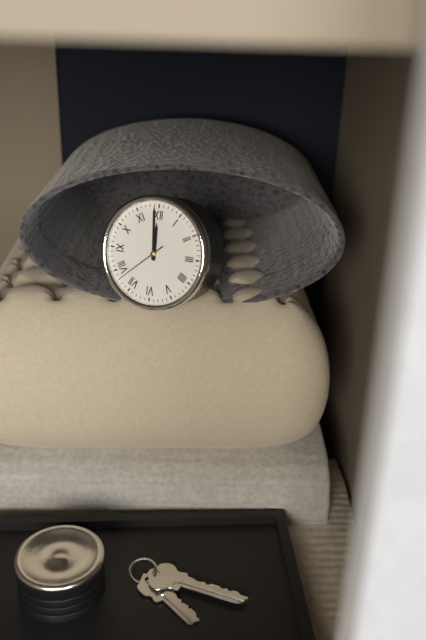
11:59:38
